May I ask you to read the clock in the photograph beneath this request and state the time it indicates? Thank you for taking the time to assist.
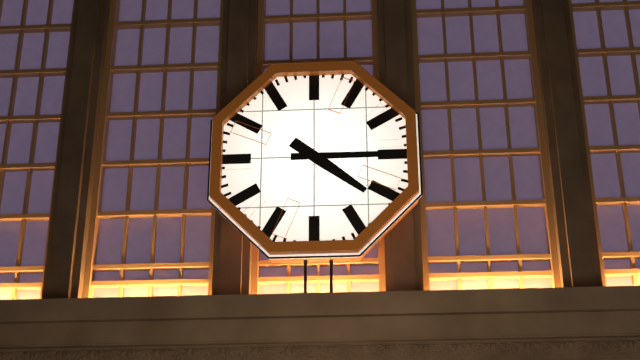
4:15
